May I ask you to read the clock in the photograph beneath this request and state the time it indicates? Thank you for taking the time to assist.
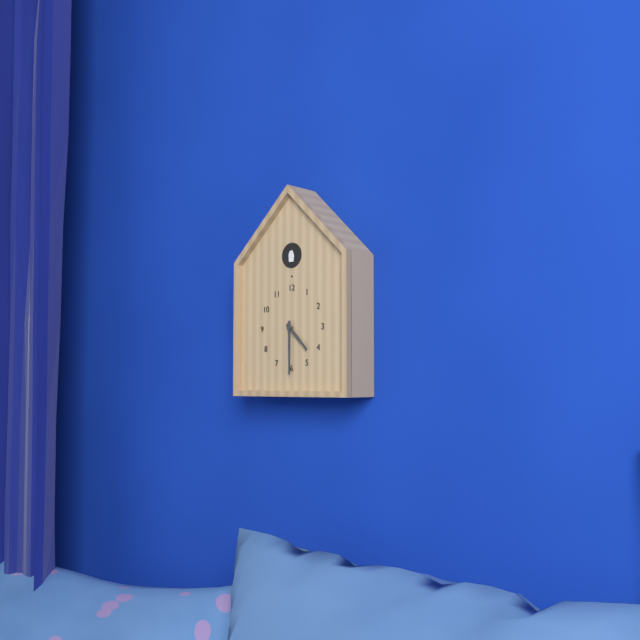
4:30
